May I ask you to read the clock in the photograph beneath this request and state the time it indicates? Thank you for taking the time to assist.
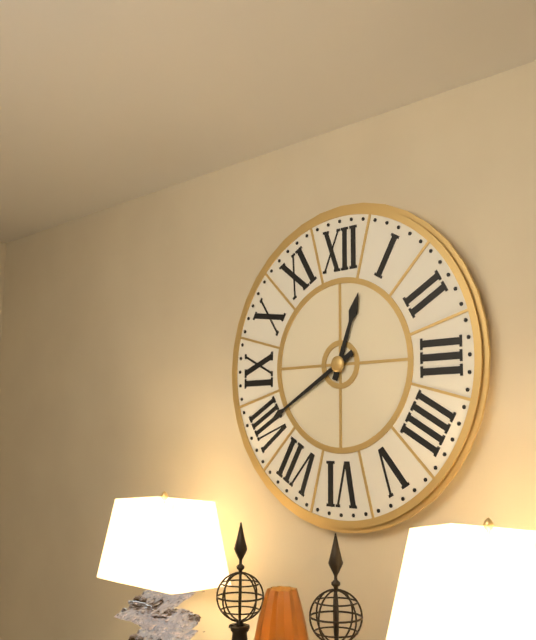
12:40
